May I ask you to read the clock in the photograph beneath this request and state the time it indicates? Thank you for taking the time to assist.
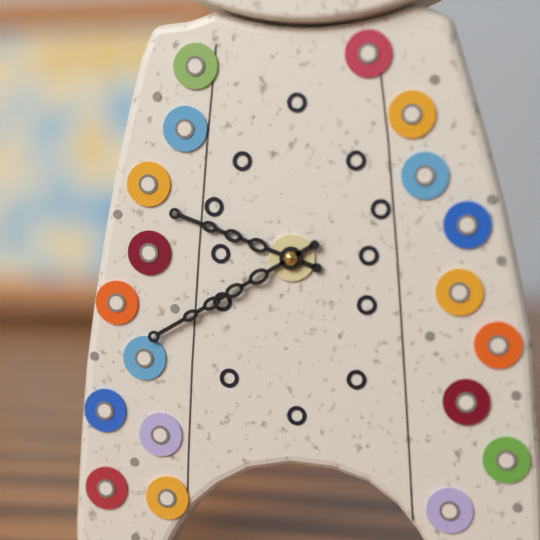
9:40
